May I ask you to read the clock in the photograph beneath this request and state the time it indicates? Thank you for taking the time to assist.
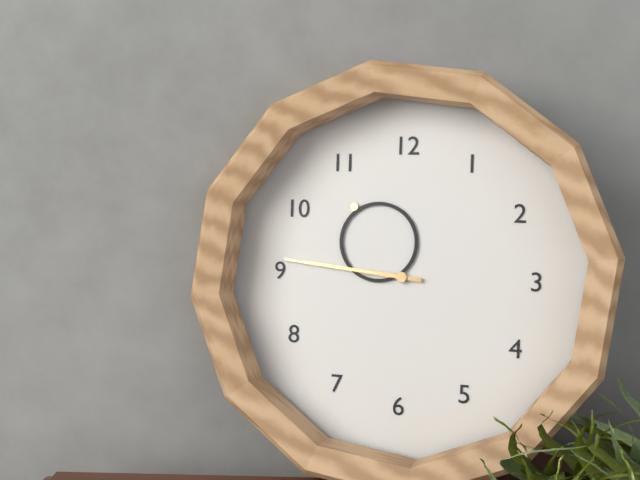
10:46
